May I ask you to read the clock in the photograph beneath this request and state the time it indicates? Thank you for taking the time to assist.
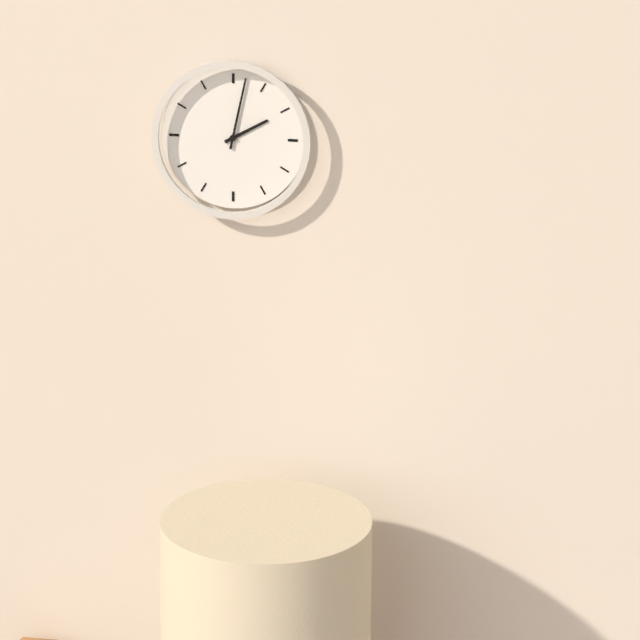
2:02
